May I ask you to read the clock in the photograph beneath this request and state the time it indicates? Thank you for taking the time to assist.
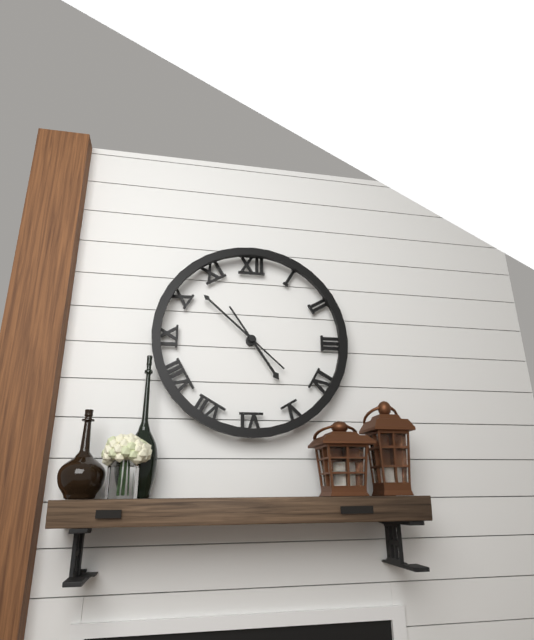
4:52
